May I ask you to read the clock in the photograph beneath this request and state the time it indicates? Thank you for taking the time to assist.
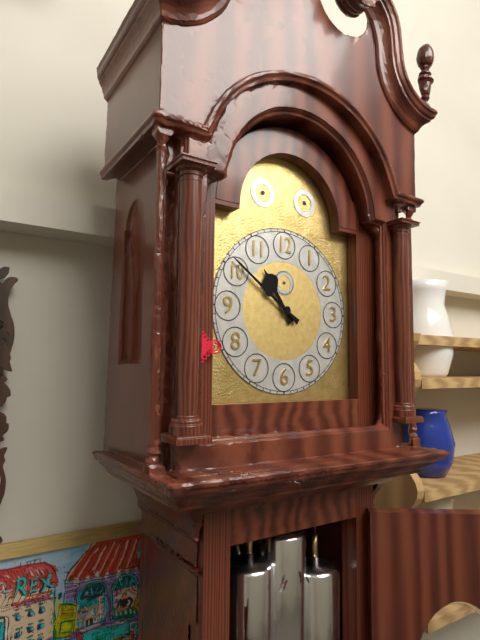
10:51
